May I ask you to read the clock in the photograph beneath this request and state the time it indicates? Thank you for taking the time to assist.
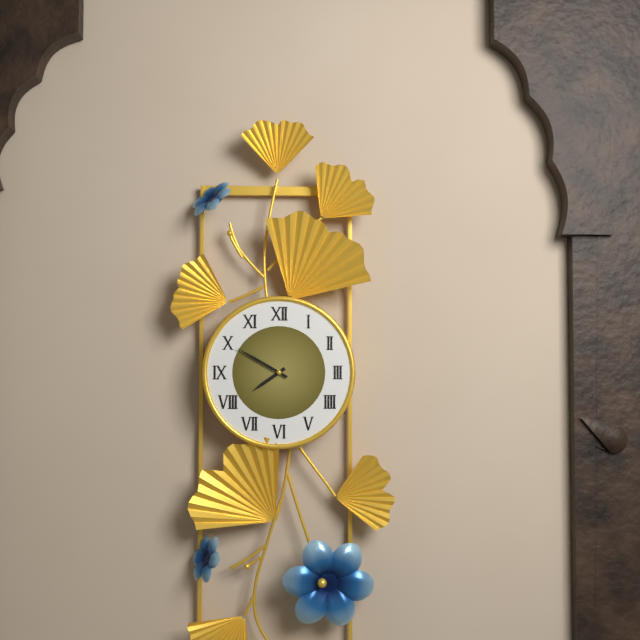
7:50
